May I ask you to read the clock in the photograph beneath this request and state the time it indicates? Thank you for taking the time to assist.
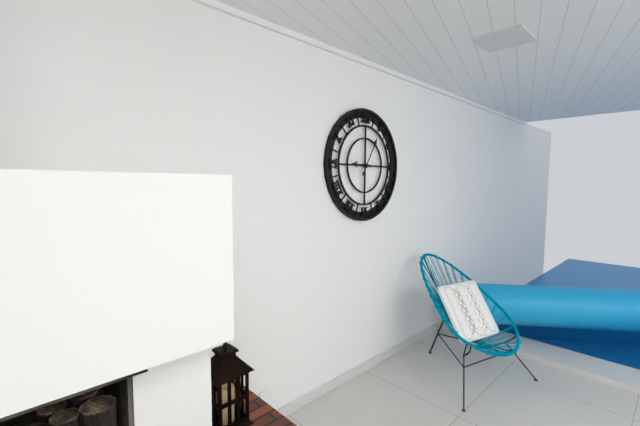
9:05
